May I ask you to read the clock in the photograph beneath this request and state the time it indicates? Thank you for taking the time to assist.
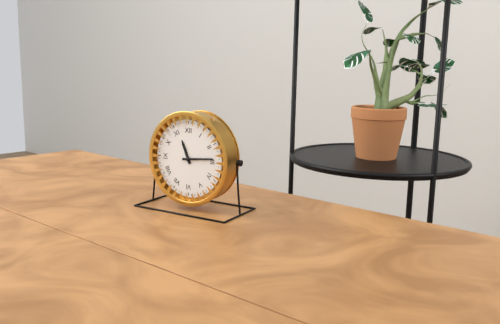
11:14
